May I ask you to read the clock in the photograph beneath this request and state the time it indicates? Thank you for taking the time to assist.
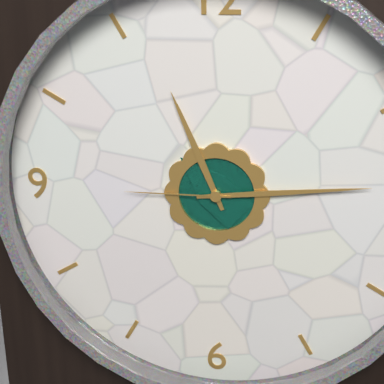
11:14:45
